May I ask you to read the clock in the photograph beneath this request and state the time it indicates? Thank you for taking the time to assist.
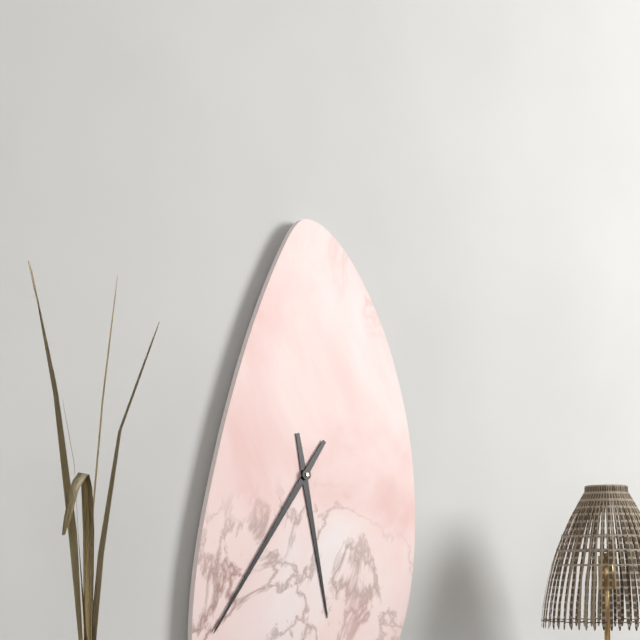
5:36
